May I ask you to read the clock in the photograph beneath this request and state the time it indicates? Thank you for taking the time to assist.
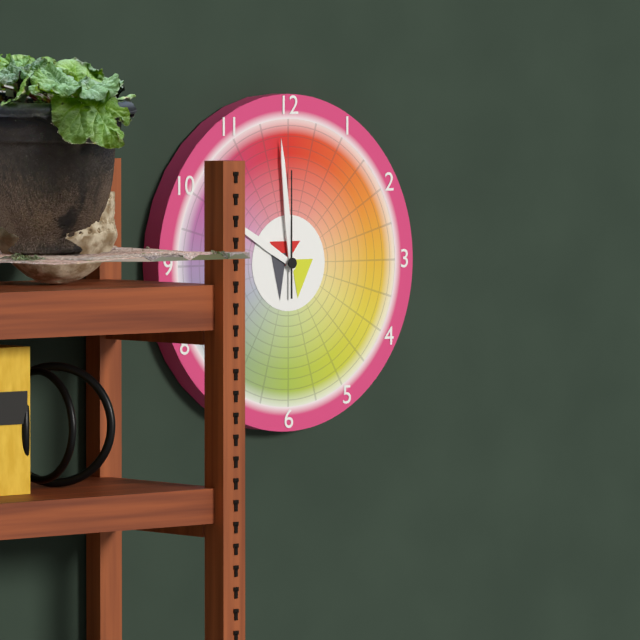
9:59:00
